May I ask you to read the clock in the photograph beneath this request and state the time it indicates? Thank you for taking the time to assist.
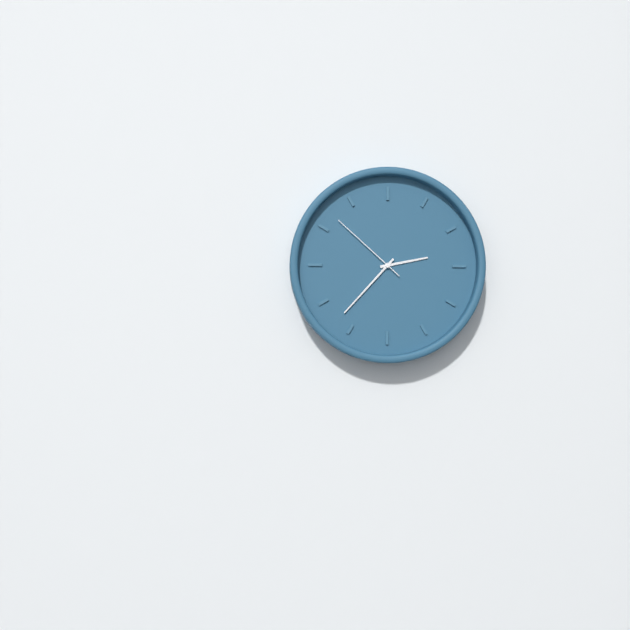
2:37:52
